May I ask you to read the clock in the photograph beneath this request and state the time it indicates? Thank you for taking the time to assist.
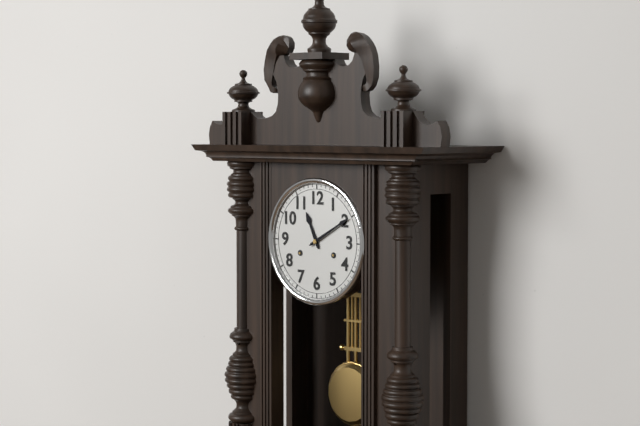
11:10
